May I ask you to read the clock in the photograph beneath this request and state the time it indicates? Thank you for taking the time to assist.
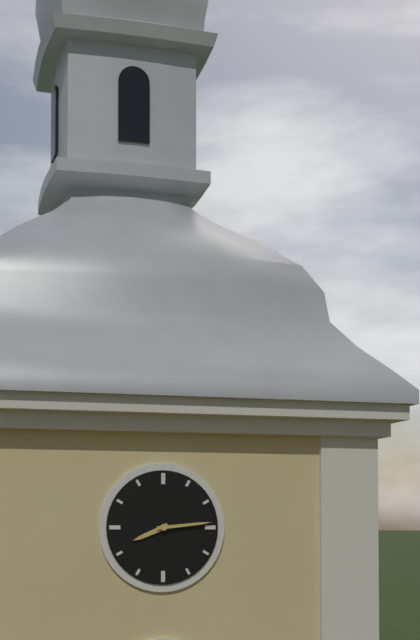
8:14
